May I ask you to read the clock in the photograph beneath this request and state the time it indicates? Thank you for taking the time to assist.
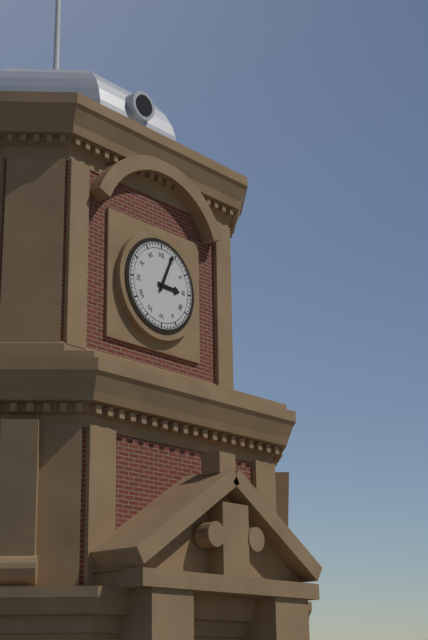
3:04
